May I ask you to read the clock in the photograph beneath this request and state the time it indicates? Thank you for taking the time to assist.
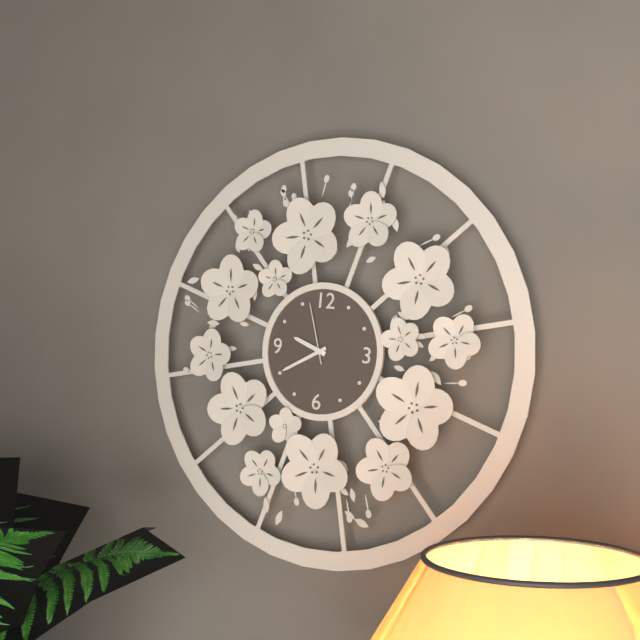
9:40:57
